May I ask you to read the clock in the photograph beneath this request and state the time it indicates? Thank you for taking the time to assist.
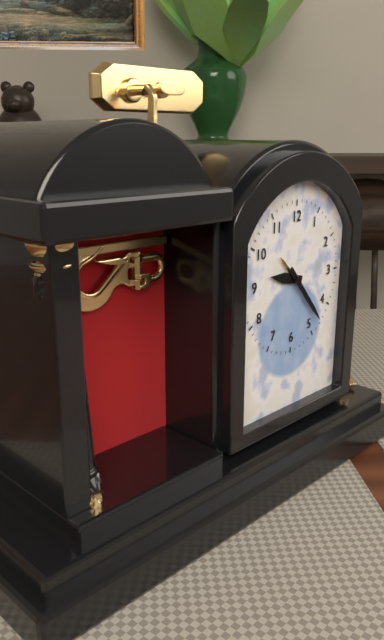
9:23
